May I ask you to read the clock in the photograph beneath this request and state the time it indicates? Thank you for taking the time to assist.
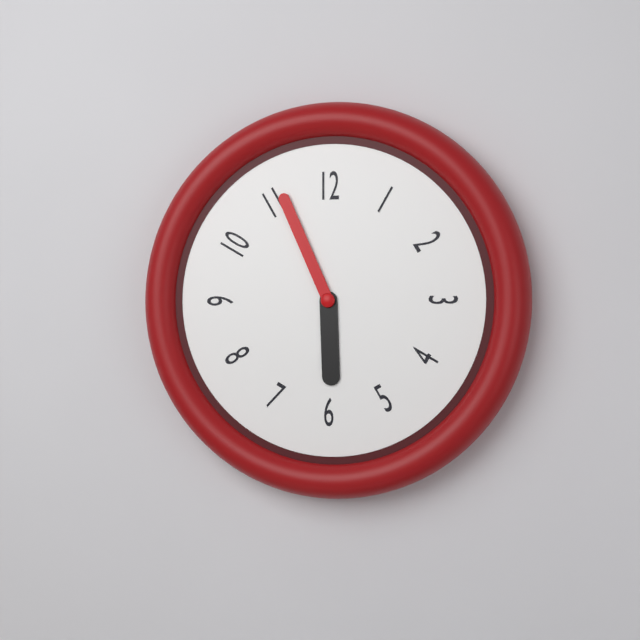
5:56
